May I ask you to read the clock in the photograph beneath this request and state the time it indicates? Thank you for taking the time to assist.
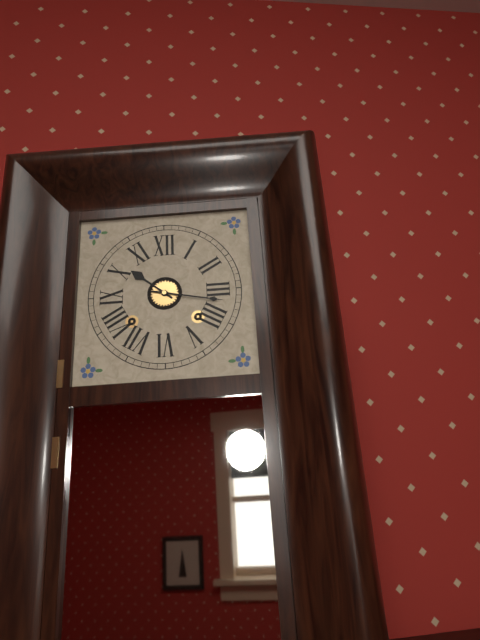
10:17
